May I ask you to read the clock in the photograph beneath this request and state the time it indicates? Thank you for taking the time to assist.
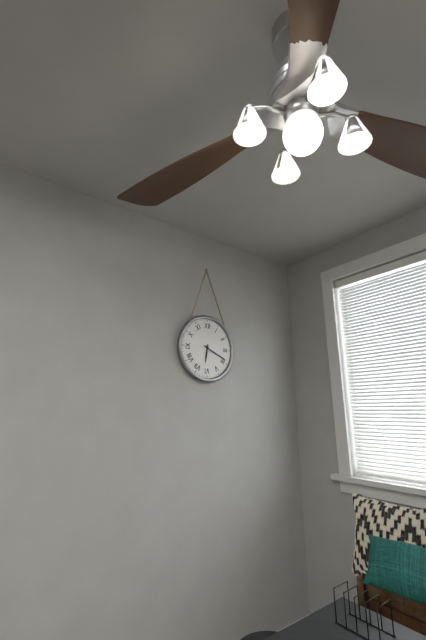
6:19
